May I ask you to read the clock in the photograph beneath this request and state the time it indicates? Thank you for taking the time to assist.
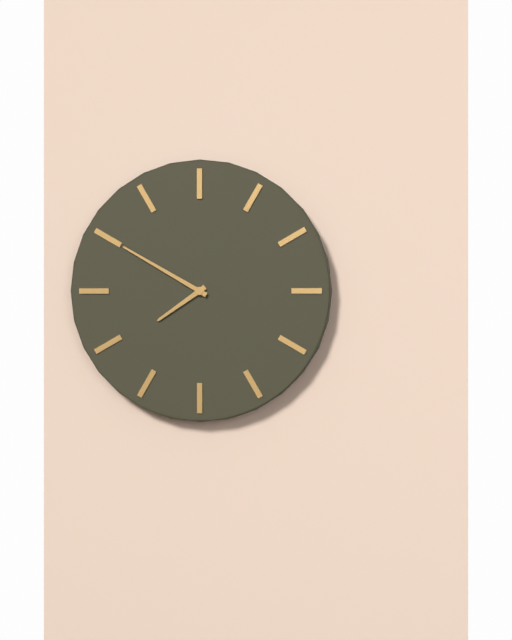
7:50
